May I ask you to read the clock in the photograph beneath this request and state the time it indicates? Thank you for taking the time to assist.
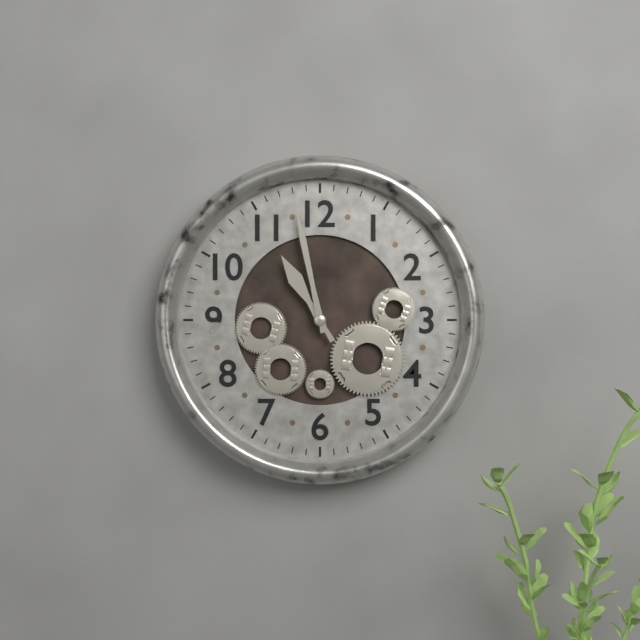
10:58
